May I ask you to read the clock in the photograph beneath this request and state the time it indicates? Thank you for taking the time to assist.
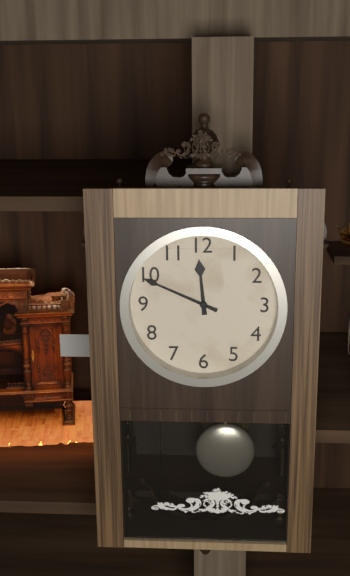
11:49
